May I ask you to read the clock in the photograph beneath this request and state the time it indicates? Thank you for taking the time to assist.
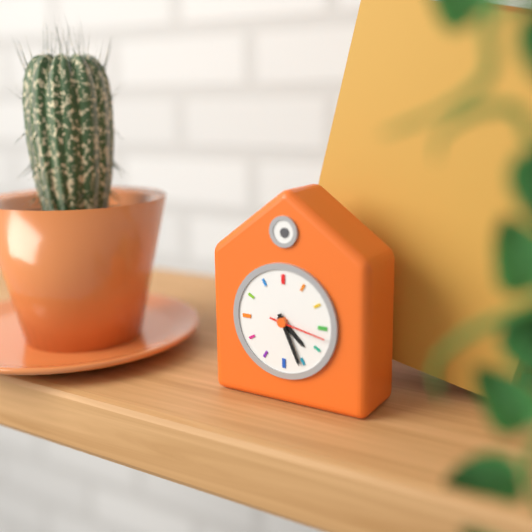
4:26
